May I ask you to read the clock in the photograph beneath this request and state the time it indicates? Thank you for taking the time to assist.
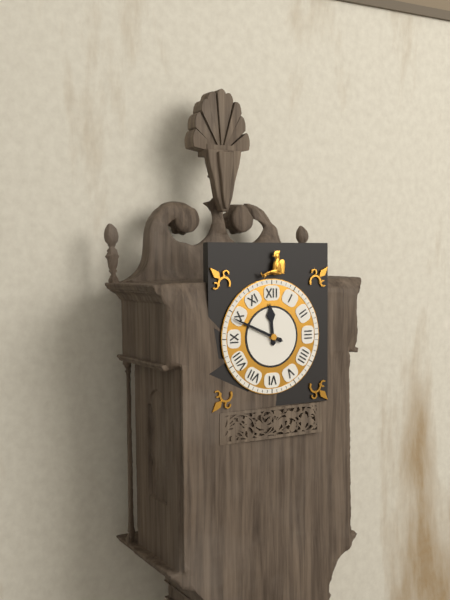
11:49
